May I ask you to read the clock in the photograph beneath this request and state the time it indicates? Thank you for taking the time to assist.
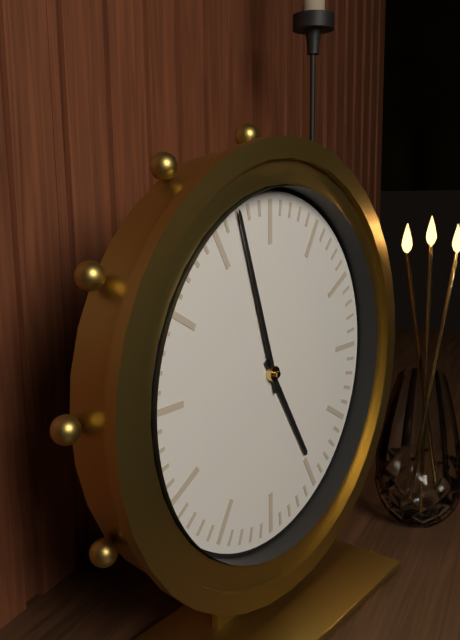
4:57
